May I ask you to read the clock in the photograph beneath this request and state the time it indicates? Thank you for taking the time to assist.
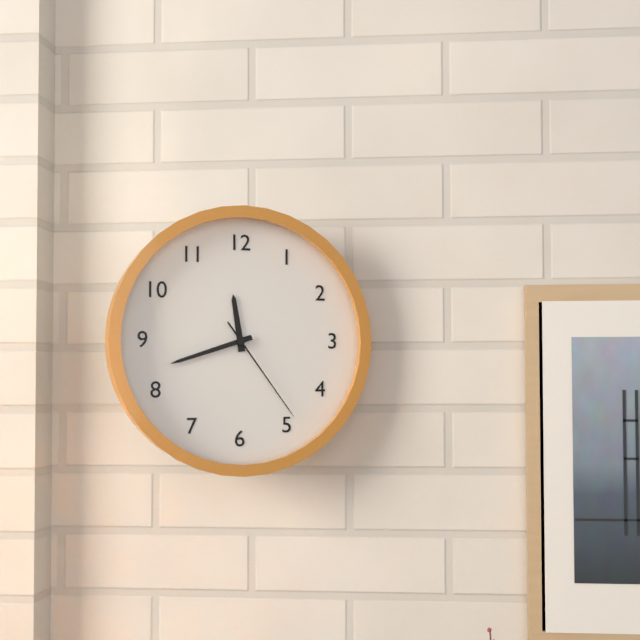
11:42:24
